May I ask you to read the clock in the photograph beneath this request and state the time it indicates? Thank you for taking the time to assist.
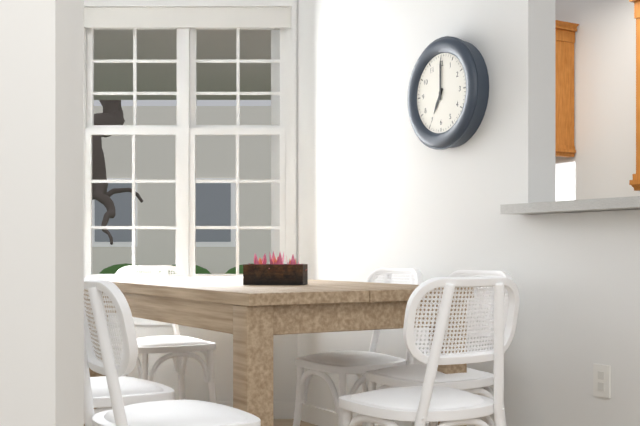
7:00
